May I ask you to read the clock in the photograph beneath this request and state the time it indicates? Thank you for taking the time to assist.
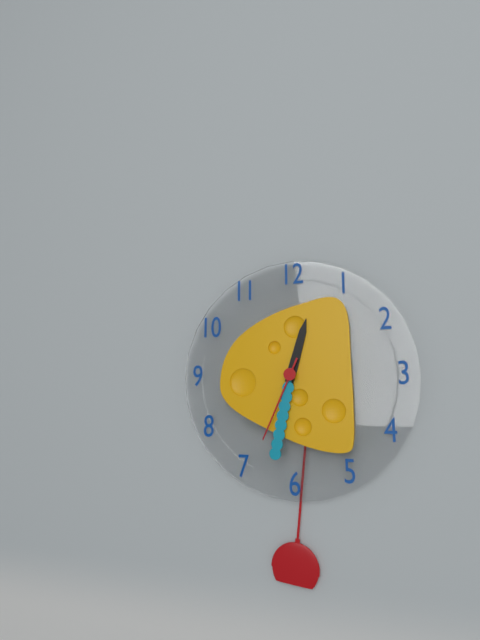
12:32:34
